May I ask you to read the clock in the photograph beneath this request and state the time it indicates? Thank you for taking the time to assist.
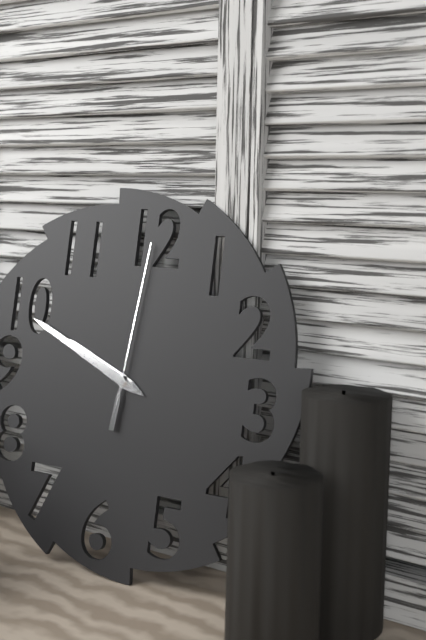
9:49:01
